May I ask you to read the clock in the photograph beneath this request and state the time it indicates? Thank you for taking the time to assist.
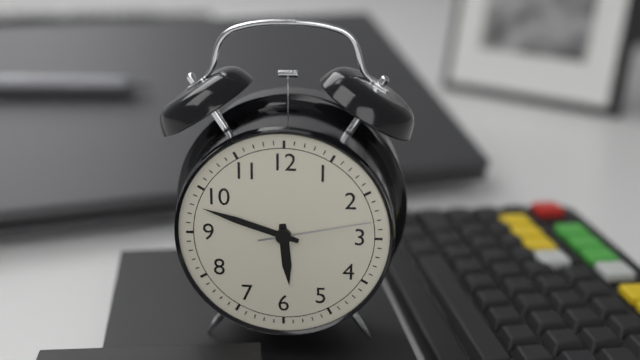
5:48:13
